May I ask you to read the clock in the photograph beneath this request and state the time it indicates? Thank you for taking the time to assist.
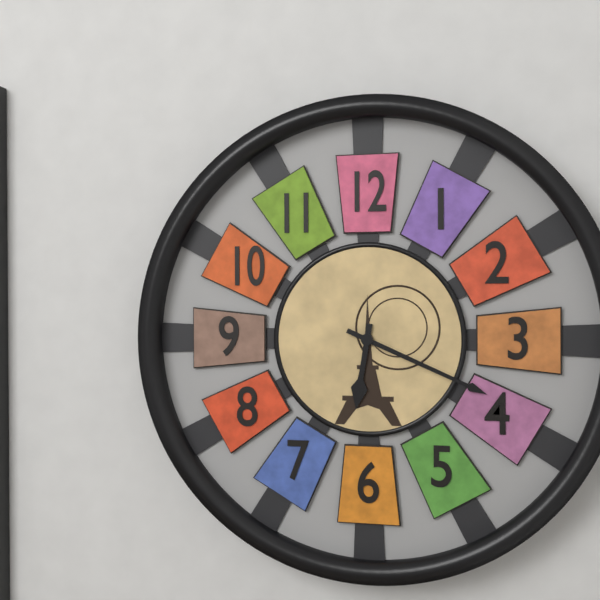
6:19
